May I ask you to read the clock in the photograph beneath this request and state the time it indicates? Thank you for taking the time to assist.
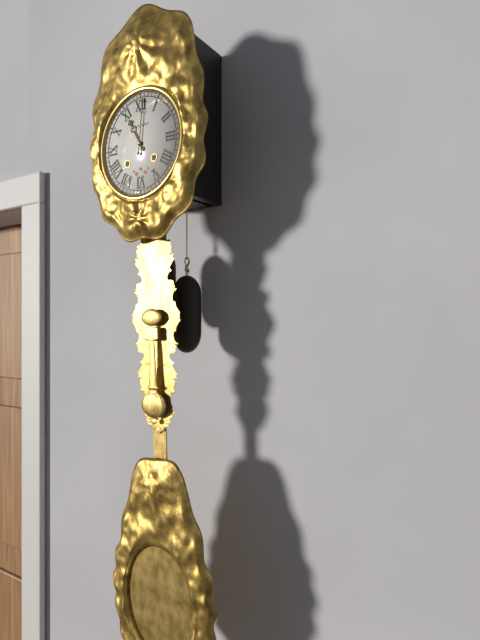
11:01
